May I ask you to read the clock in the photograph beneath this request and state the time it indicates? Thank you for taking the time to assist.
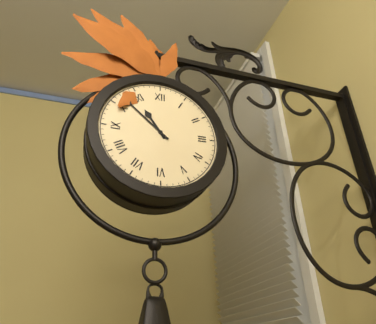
10:52
